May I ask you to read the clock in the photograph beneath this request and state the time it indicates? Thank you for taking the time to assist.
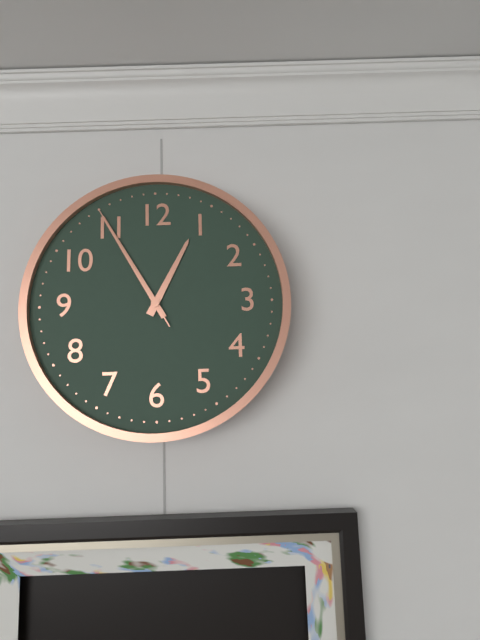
12:55:55
